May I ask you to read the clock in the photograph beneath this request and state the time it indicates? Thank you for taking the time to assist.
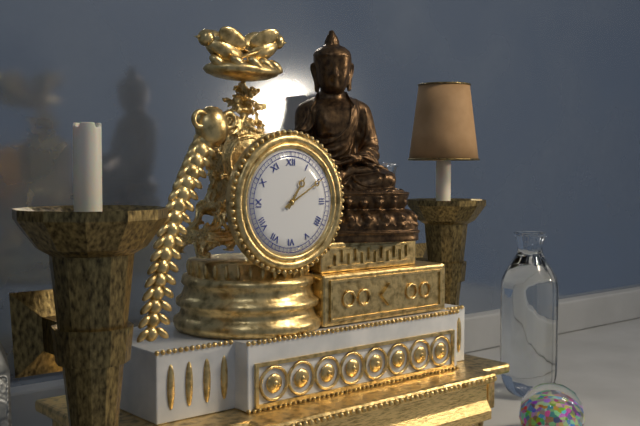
1:10
